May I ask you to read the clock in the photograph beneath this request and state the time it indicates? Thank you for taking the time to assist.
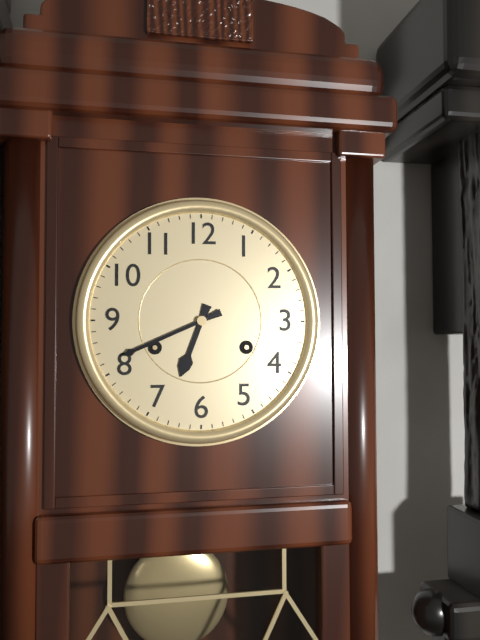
6:41
